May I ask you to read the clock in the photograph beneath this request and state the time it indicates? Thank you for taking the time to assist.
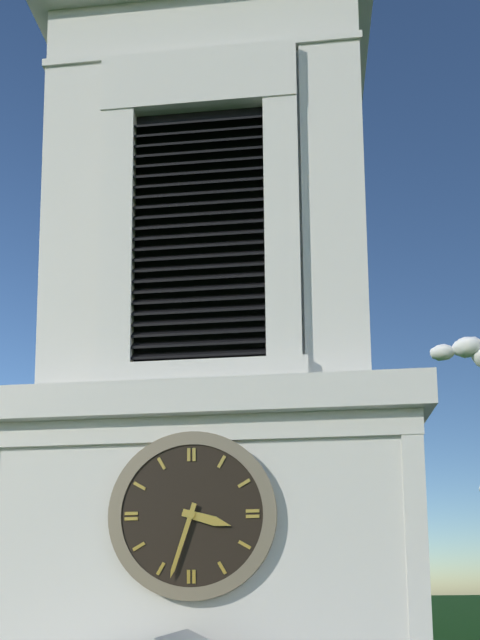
3:33
